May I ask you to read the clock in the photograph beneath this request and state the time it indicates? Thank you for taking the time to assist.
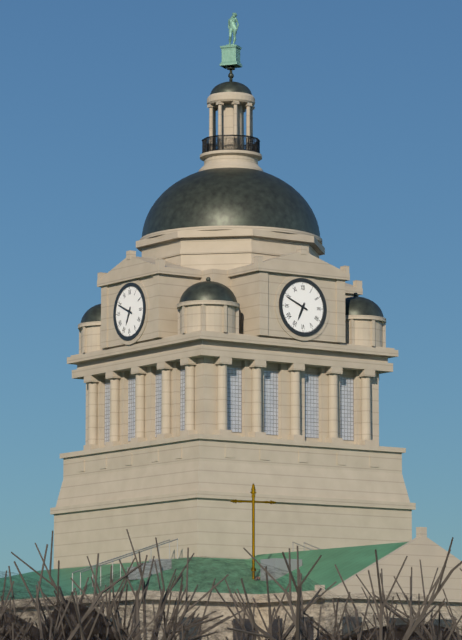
6:49
